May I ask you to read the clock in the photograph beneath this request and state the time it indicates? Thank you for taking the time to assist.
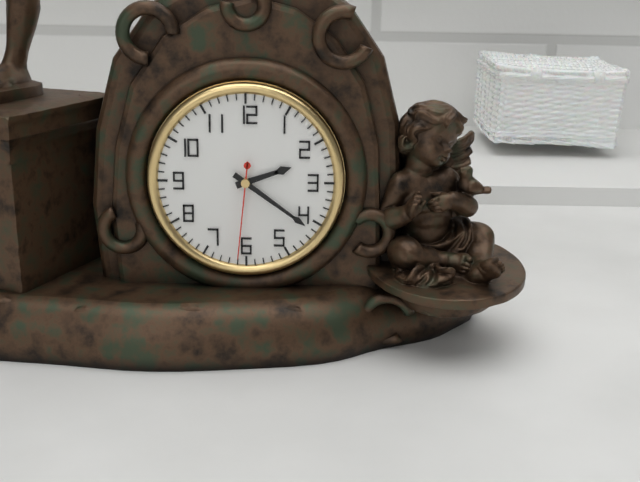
2:21:31
